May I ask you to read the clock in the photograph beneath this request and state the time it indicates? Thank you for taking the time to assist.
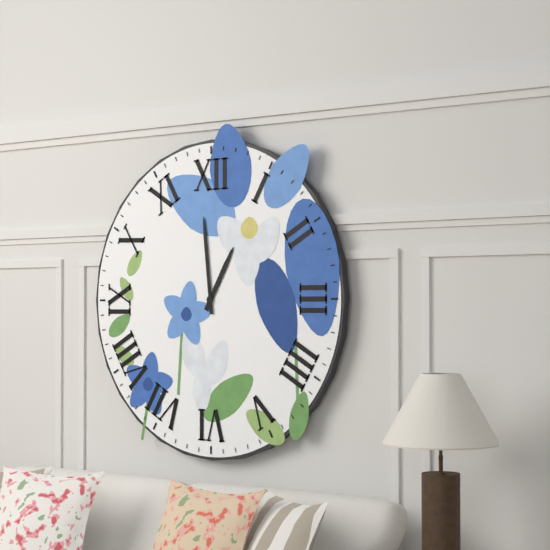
12:59
